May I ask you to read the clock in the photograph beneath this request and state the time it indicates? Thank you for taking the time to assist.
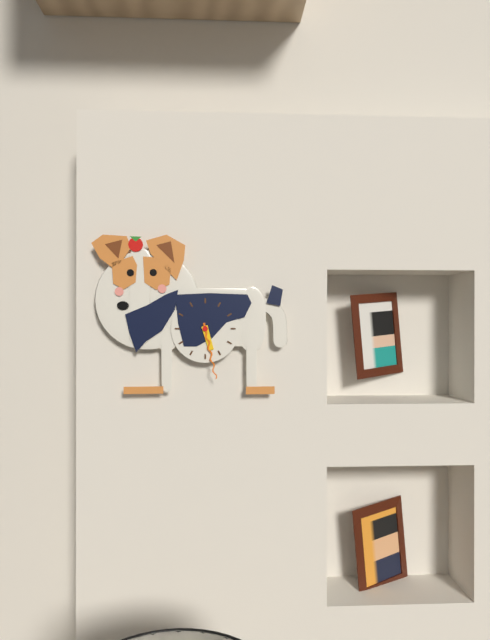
5:28
